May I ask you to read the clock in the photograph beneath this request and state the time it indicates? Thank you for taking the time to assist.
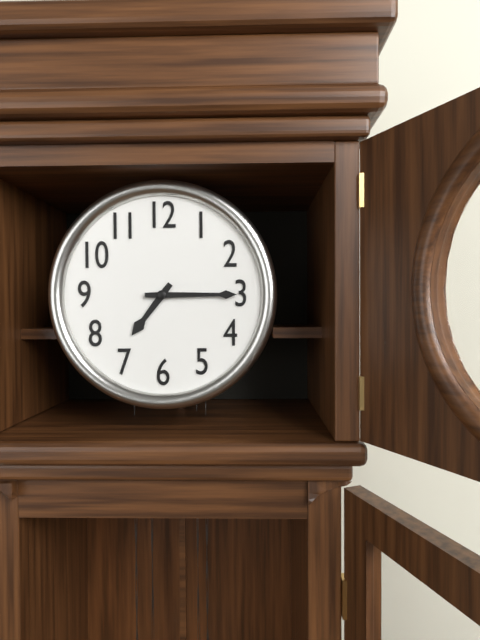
7:15
